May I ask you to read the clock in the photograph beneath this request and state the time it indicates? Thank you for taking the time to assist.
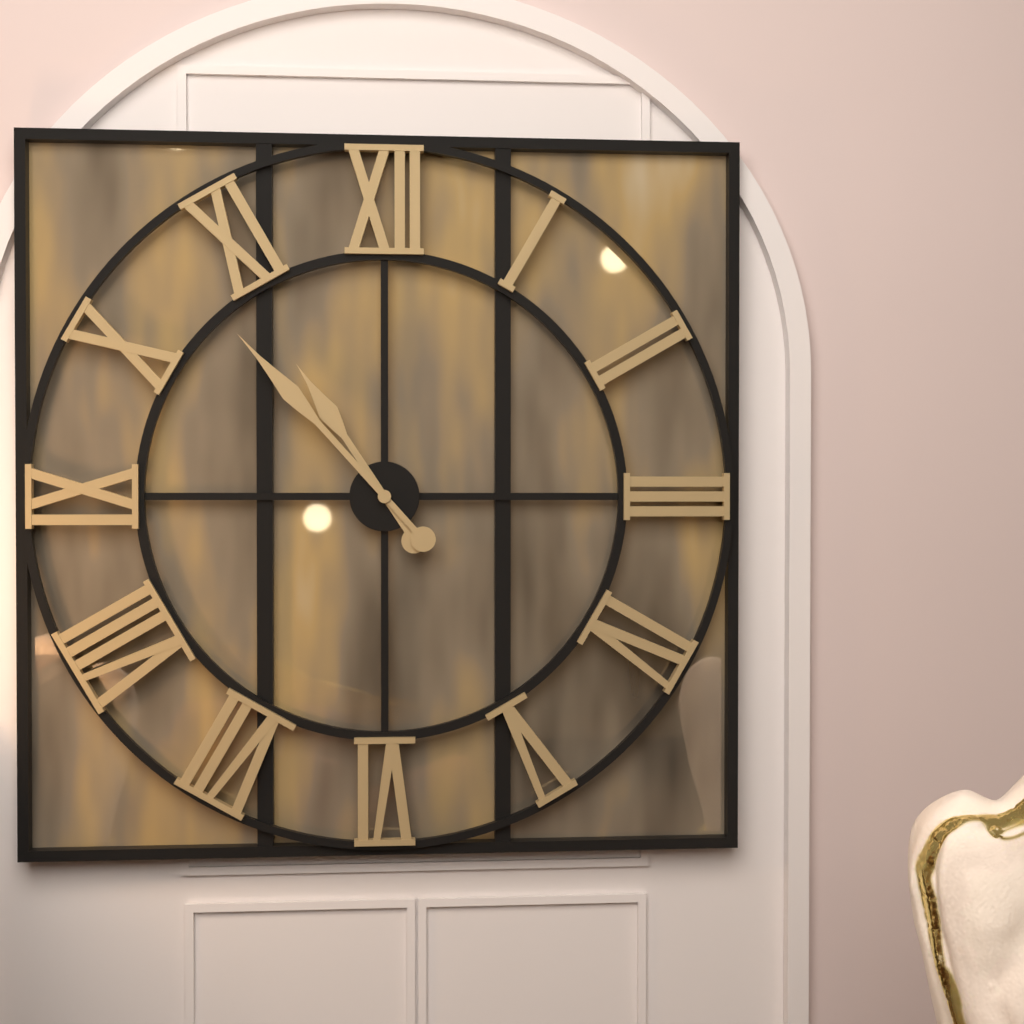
10:53
